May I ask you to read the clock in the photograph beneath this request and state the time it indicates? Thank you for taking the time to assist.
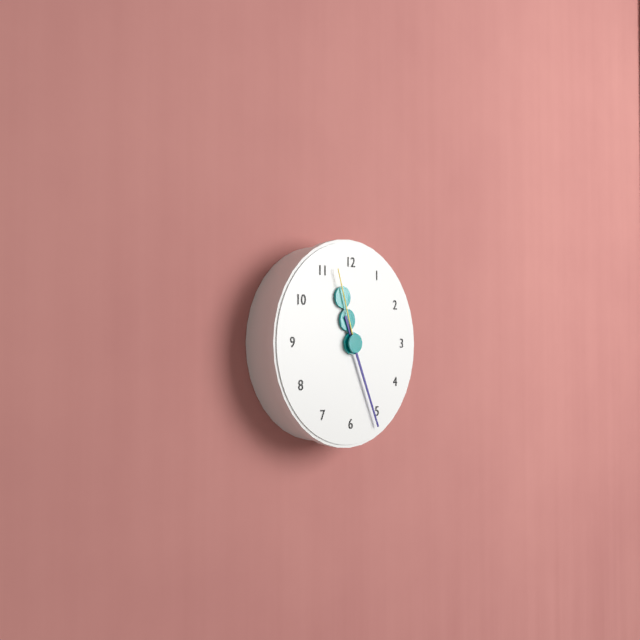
11:26:57
